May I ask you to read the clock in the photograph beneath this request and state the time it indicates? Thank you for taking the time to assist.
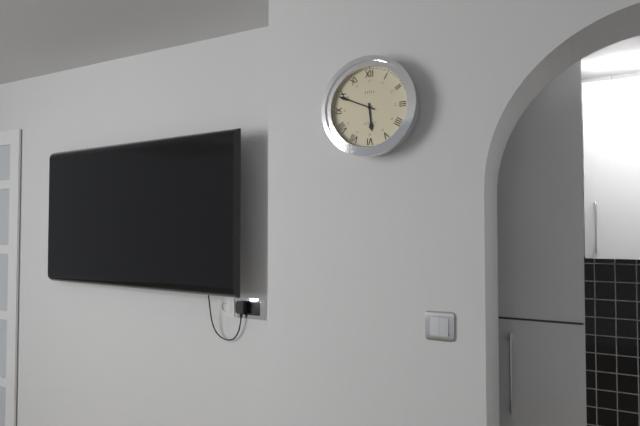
5:49
